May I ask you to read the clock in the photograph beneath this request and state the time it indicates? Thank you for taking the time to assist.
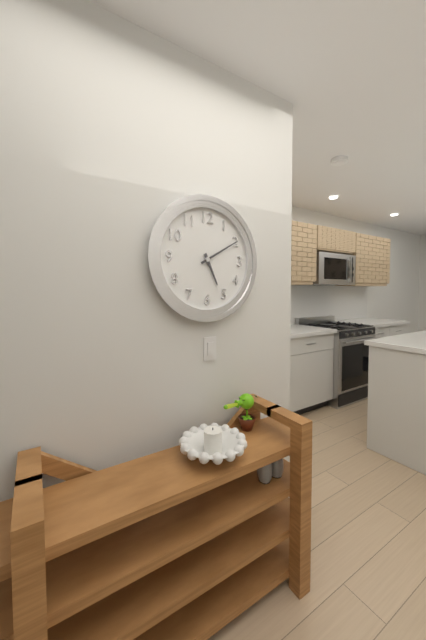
5:10
